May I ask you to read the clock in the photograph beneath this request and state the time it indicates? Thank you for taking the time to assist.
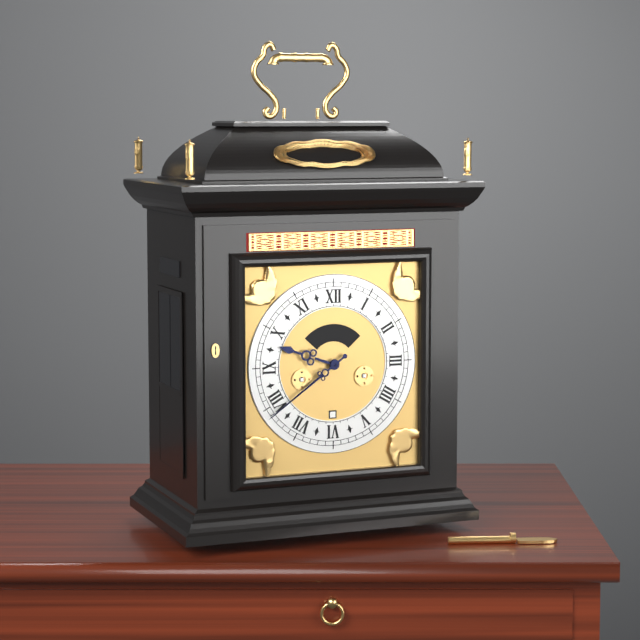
9:39
